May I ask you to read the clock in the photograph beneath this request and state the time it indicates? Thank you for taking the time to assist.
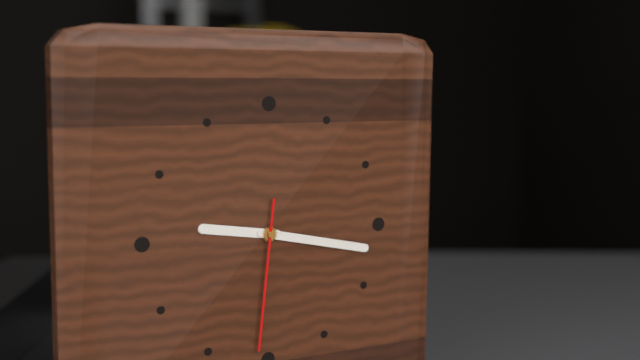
9:17:31
